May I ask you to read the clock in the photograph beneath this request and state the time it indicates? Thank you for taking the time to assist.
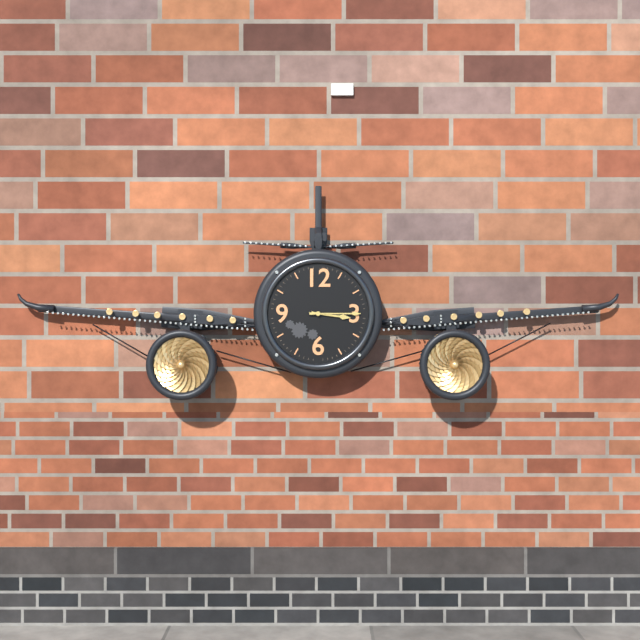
3:15
